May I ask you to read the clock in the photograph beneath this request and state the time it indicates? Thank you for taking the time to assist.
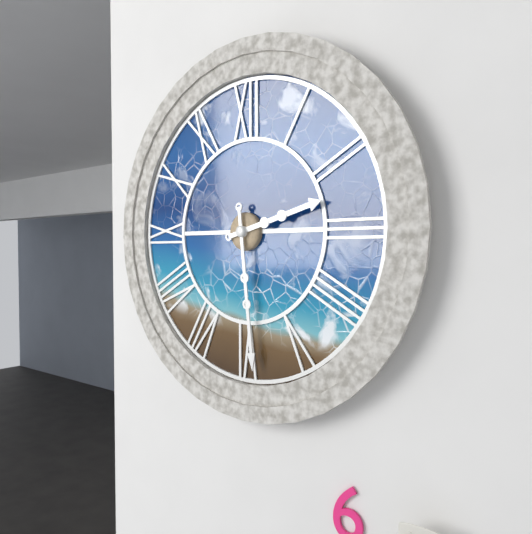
2:29
